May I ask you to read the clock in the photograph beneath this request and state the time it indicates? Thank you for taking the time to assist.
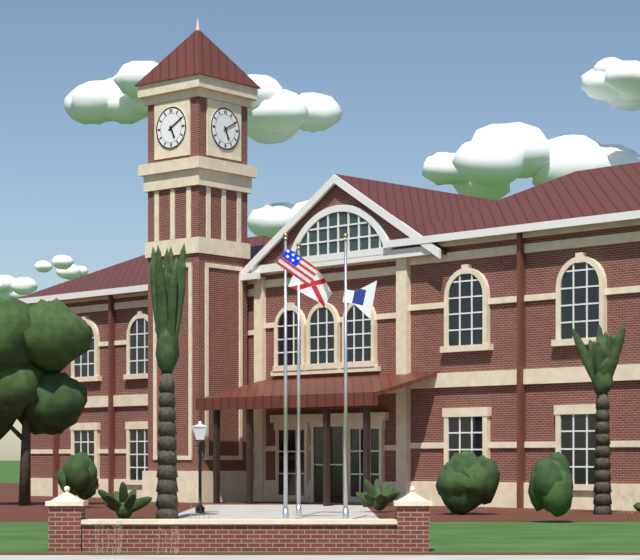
5:10
